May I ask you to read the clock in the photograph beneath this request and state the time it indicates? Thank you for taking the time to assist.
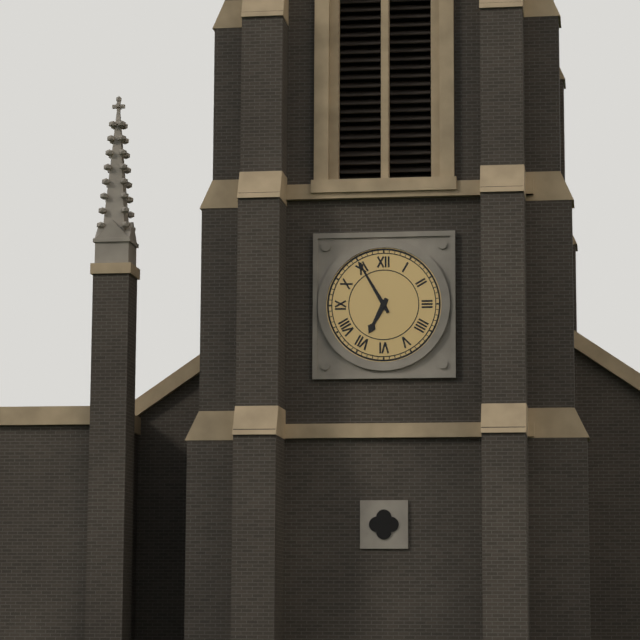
6:55
